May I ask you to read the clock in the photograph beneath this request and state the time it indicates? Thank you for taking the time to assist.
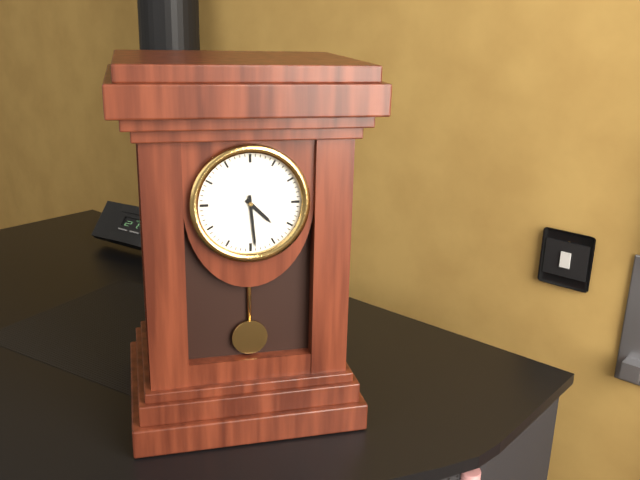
4:29
